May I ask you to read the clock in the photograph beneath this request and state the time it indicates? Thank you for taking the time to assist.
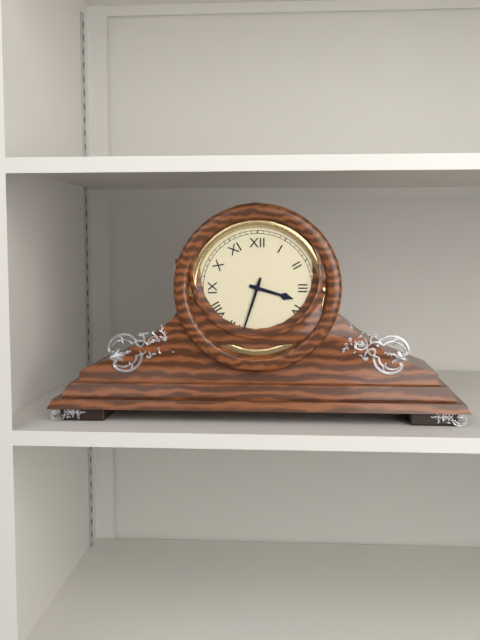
3:33
